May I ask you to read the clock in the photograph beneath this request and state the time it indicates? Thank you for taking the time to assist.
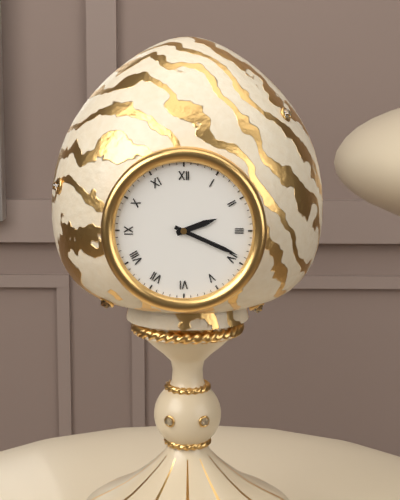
2:19
